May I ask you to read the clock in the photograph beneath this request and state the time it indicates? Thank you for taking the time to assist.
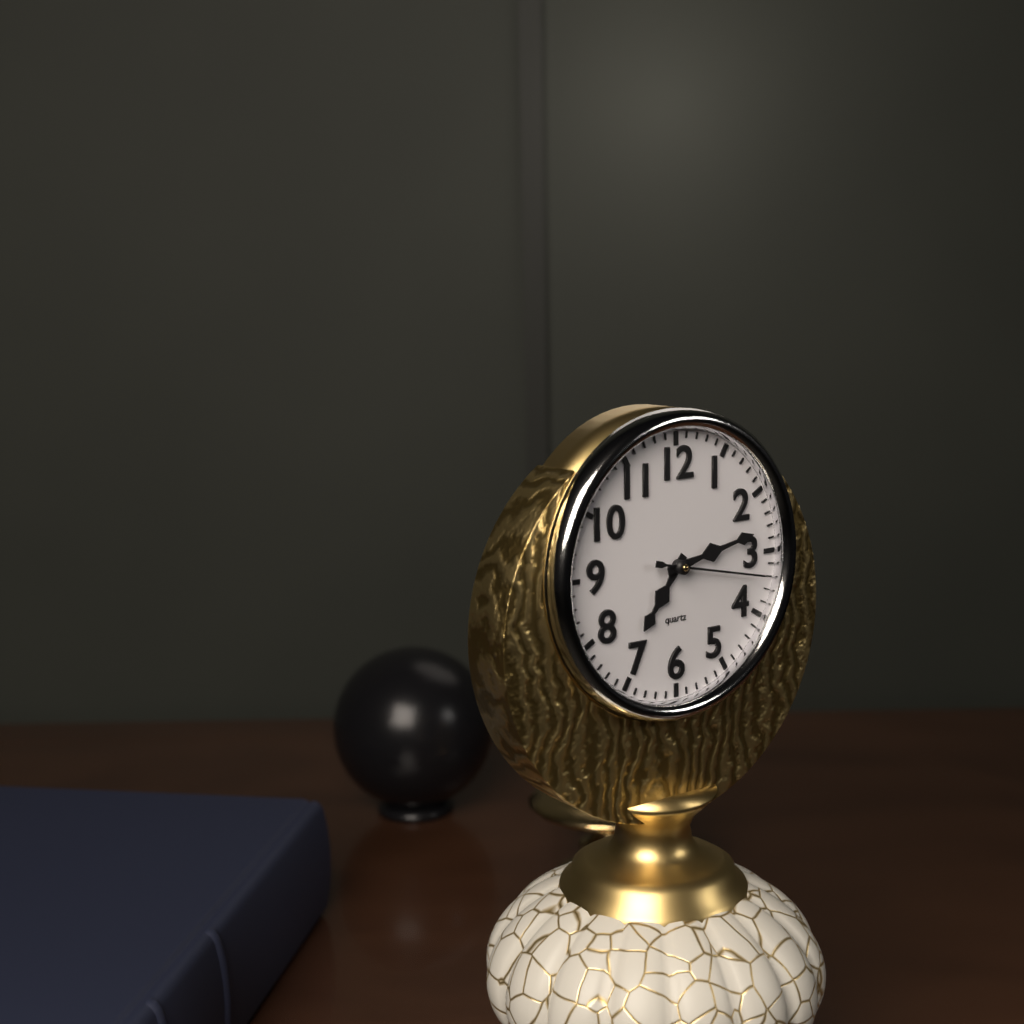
7:13:17
